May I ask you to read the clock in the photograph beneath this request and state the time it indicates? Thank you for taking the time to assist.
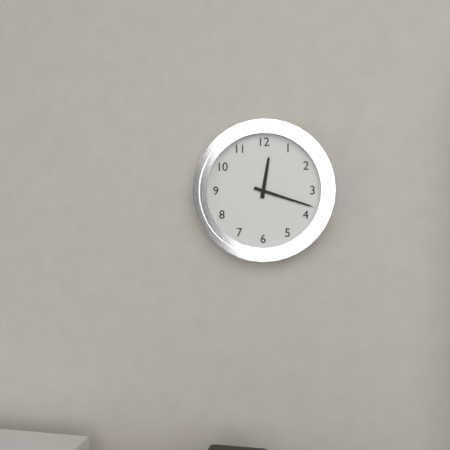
12:18
